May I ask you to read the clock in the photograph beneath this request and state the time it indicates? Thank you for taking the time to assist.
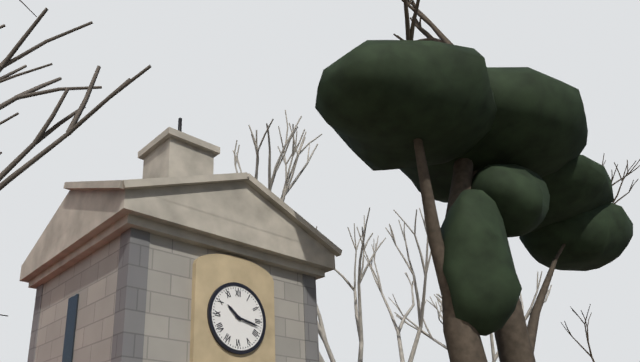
10:17
